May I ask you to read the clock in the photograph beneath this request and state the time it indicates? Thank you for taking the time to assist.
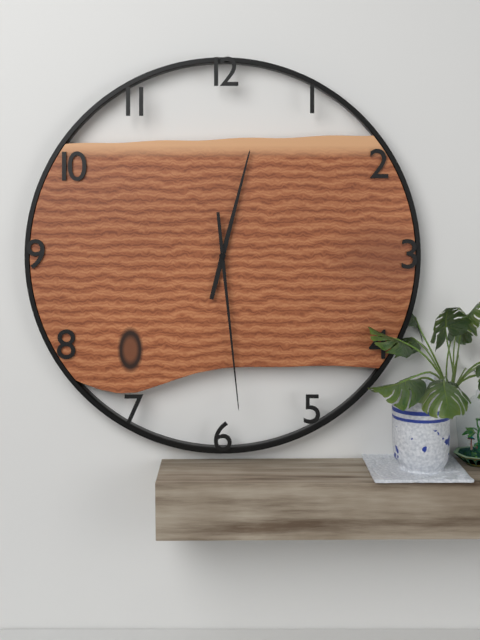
12:29
